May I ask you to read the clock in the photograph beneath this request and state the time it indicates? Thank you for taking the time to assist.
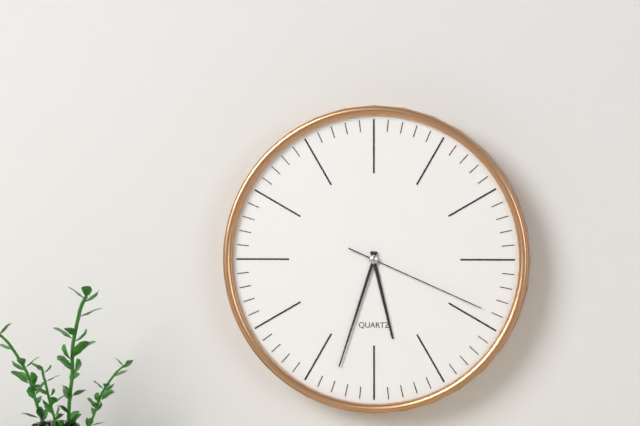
5:33:19
